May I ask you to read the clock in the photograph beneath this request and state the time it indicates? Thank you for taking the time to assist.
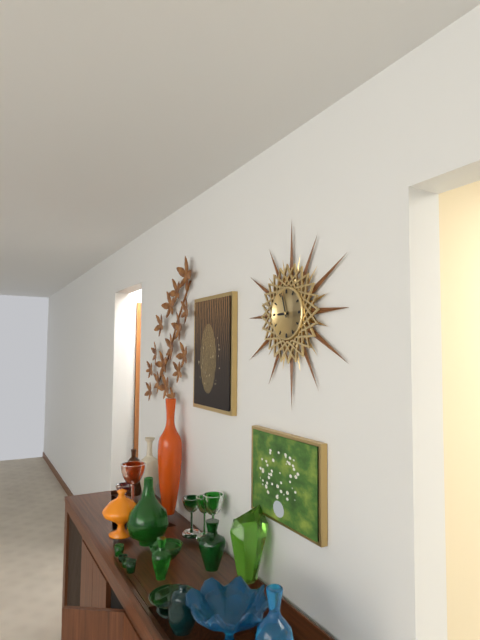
8:57
